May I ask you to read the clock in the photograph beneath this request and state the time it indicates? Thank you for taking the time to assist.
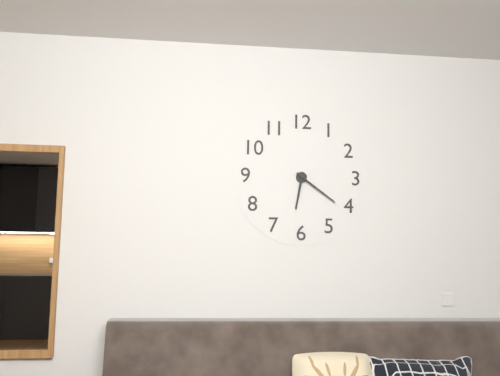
6:21
